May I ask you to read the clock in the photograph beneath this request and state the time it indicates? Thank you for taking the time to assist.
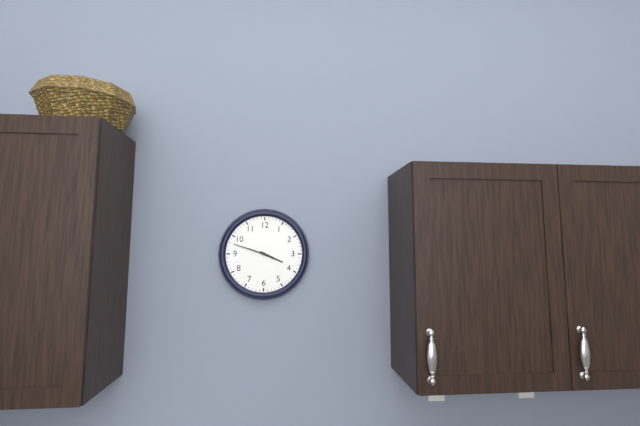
3:48
